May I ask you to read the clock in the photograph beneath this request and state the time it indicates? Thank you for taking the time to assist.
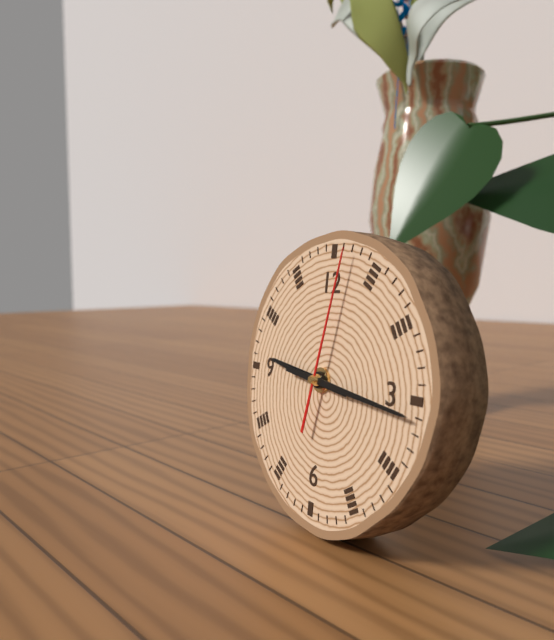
9:16:02
